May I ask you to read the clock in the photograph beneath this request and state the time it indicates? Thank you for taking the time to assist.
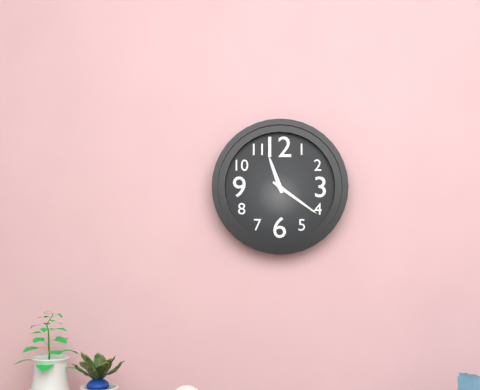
11:21
